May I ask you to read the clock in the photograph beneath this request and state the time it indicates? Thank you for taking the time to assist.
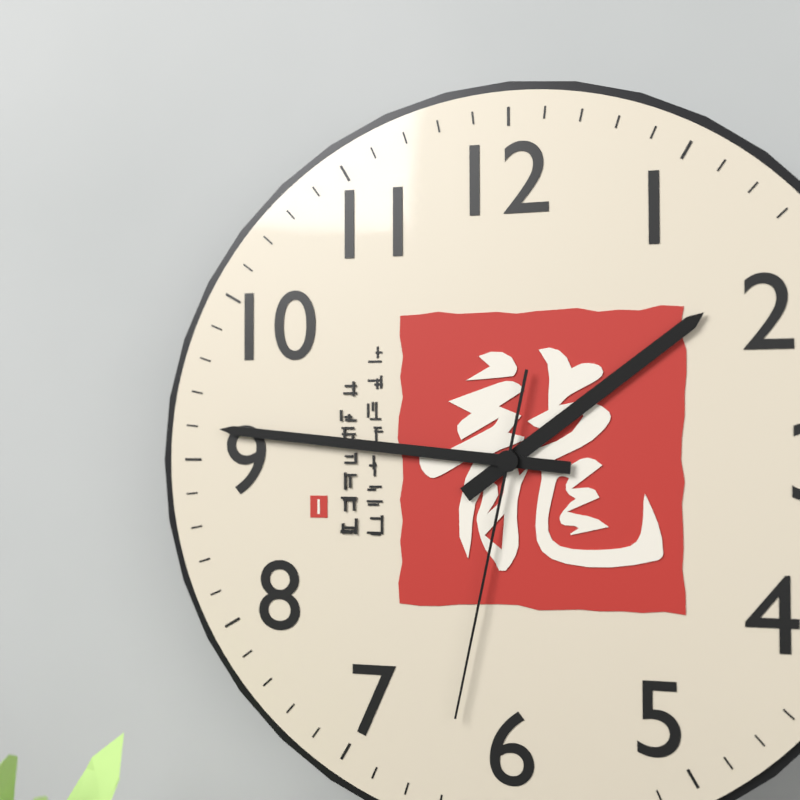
1:46:32
